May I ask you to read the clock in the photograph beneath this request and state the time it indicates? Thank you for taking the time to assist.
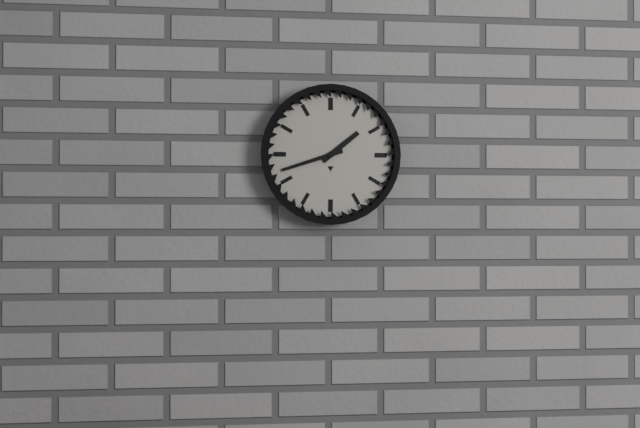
1:42
